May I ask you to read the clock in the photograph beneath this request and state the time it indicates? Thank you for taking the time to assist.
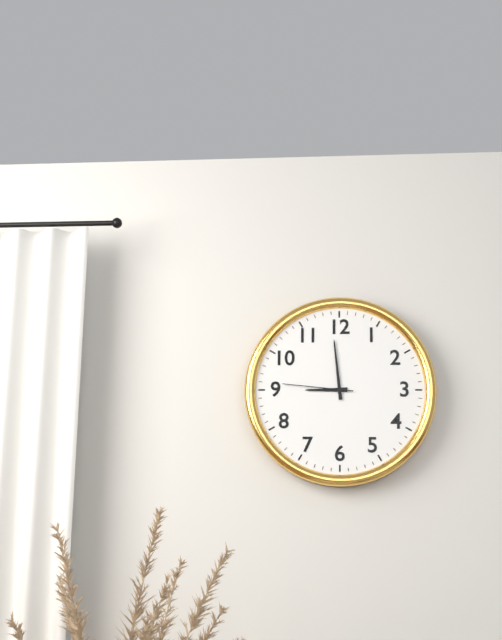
8:59:46
